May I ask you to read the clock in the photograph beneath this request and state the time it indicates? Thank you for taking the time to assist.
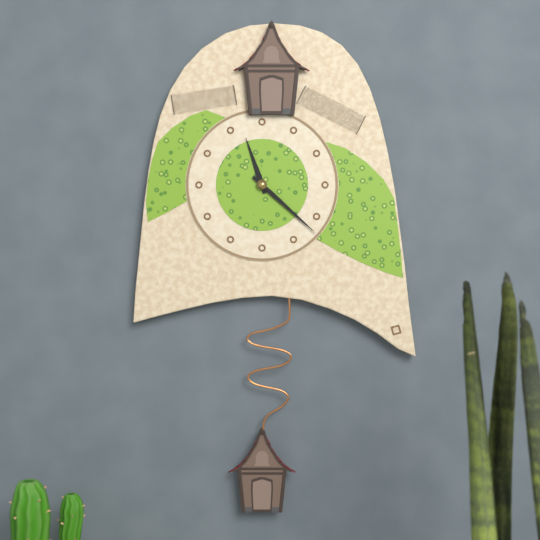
11:22
